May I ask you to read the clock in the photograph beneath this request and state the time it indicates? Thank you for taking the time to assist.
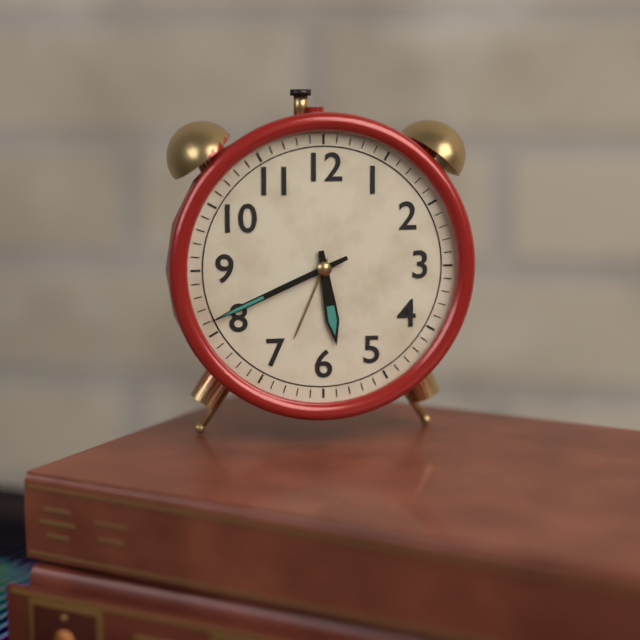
5:41
